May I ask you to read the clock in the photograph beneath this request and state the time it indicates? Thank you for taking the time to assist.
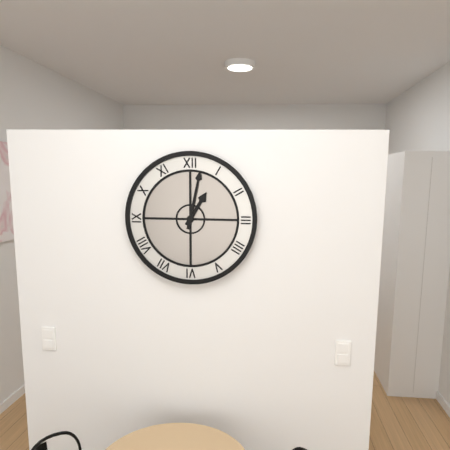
1:02
